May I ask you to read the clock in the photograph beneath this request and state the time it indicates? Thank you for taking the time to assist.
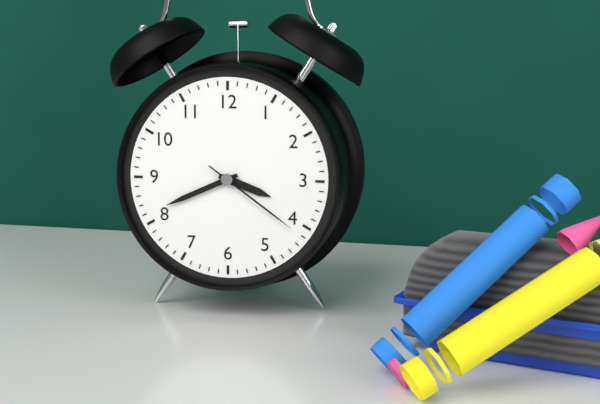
3:41:21
